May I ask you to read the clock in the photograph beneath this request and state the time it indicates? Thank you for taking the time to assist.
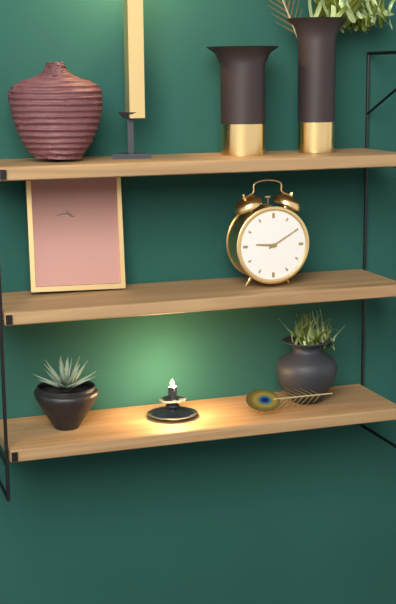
9:10
